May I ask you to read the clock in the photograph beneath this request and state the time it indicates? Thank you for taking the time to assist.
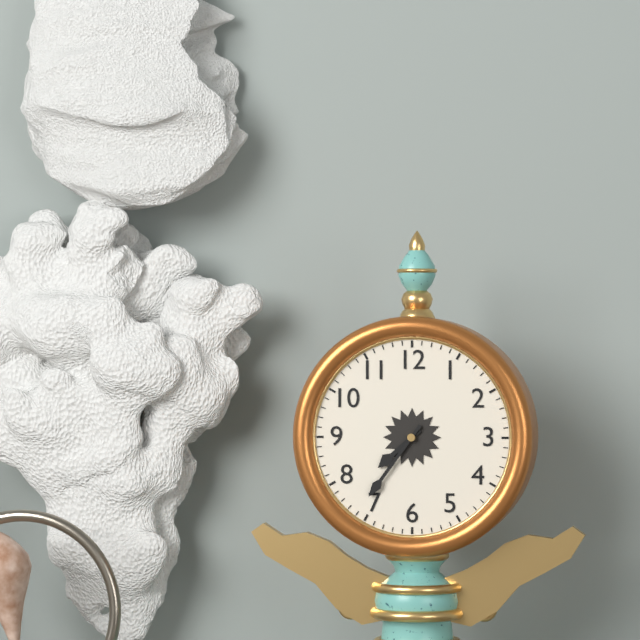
7:36
